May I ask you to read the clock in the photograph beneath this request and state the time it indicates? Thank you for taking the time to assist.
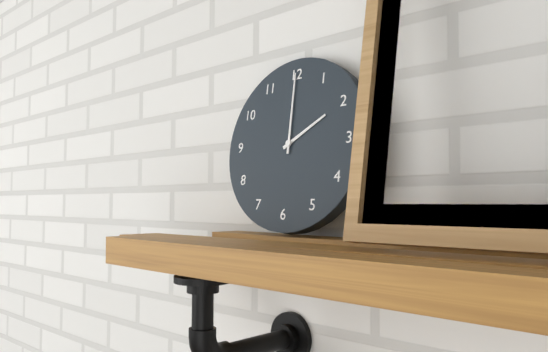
2:00
